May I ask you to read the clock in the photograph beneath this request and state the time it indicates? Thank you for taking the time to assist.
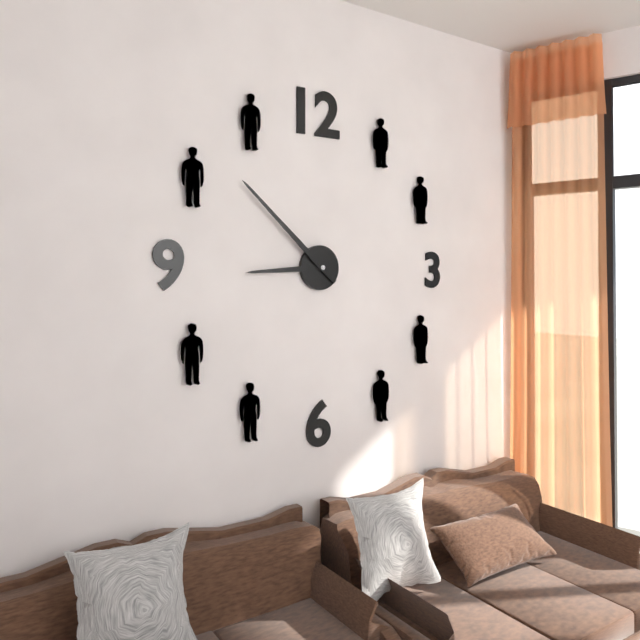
8:52
